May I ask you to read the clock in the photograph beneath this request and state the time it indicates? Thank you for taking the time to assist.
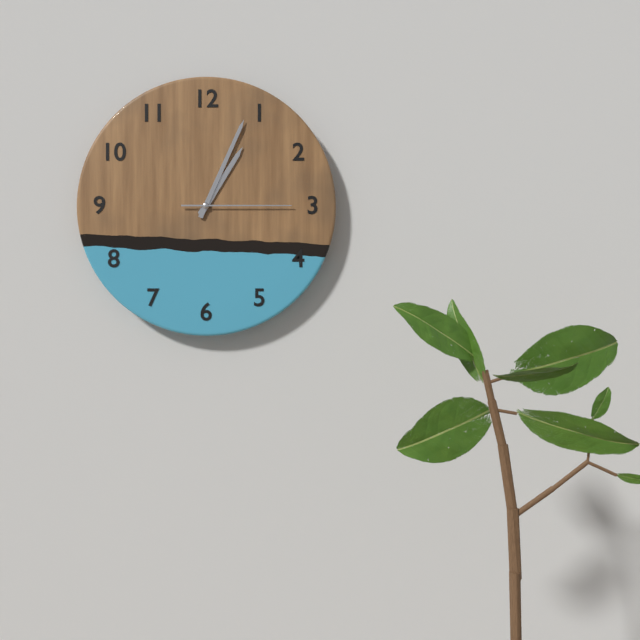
1:04:15
